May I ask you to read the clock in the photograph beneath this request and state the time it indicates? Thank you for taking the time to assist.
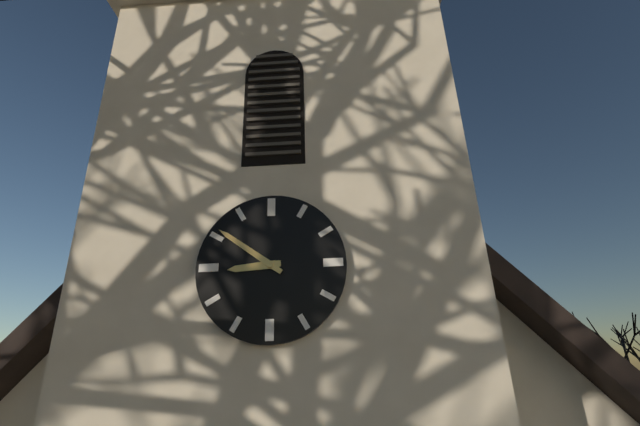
8:51
